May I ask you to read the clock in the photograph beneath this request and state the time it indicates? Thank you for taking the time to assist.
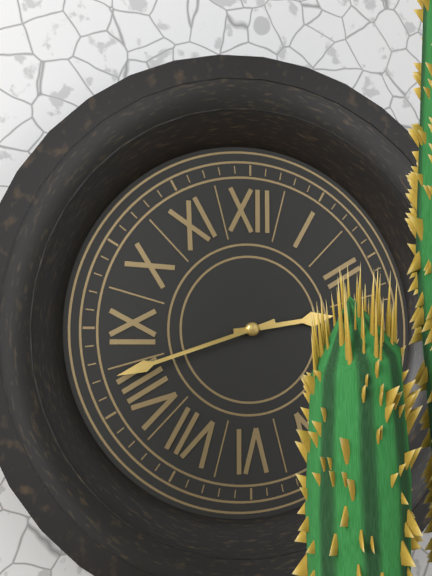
2:42
